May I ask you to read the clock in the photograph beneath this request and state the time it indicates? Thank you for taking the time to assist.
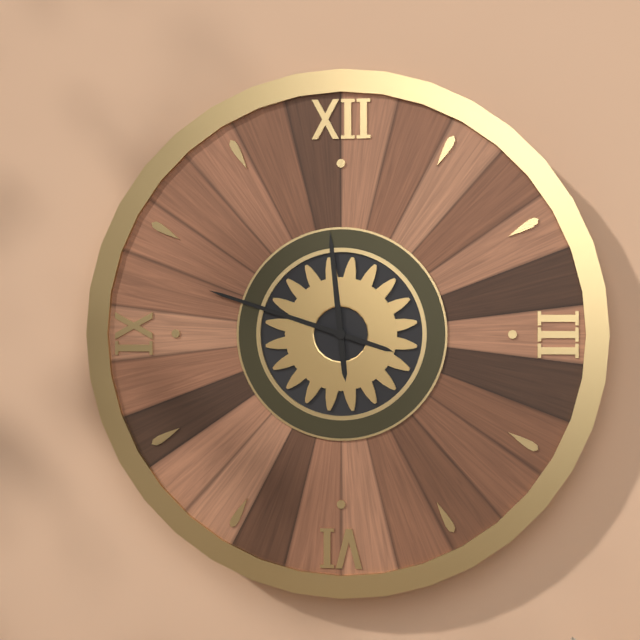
11:48
